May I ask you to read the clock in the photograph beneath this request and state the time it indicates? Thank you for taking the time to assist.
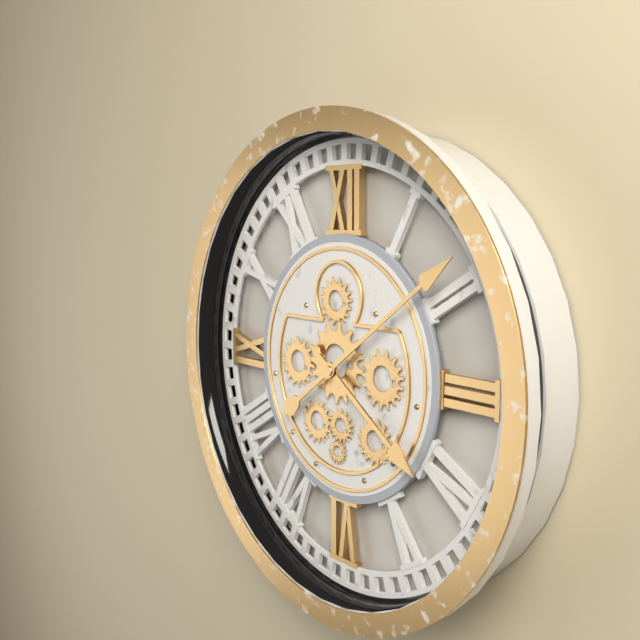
4:09
